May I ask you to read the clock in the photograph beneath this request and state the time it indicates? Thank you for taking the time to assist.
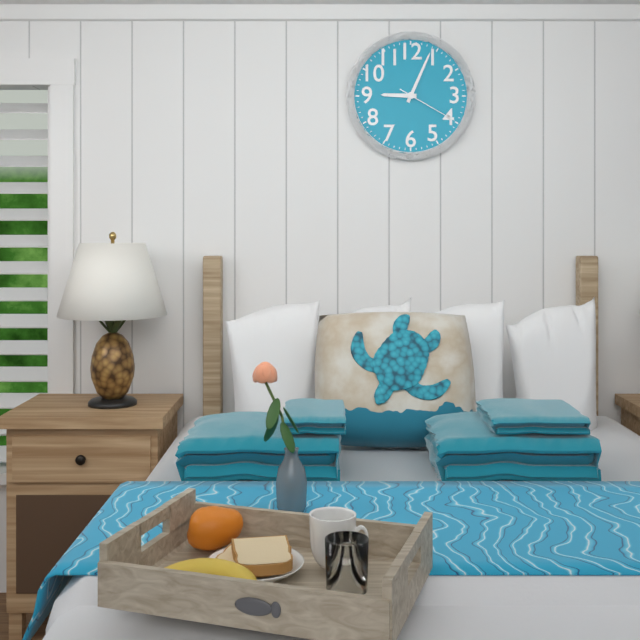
9:04:20
